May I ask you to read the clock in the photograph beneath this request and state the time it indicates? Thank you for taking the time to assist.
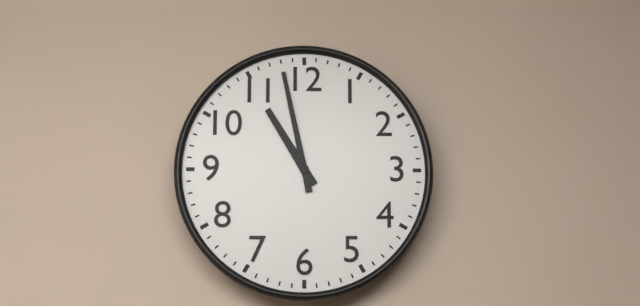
10:58
